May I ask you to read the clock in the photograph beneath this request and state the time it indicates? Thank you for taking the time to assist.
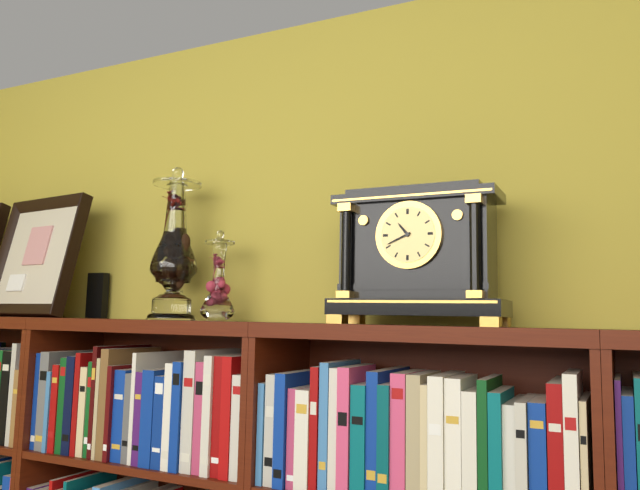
10:41
